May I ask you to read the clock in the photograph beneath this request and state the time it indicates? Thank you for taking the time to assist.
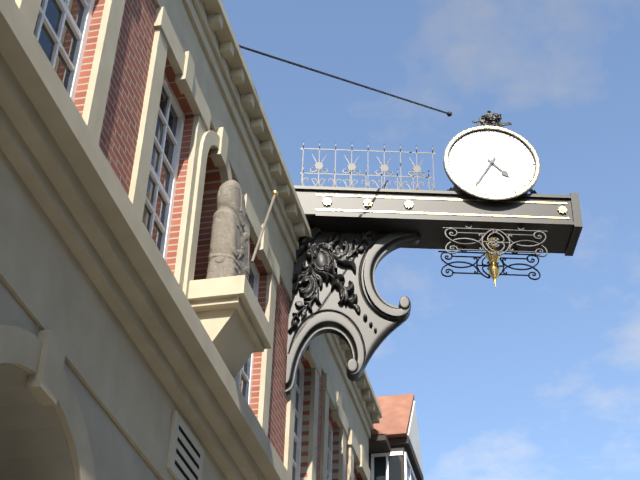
4:35
